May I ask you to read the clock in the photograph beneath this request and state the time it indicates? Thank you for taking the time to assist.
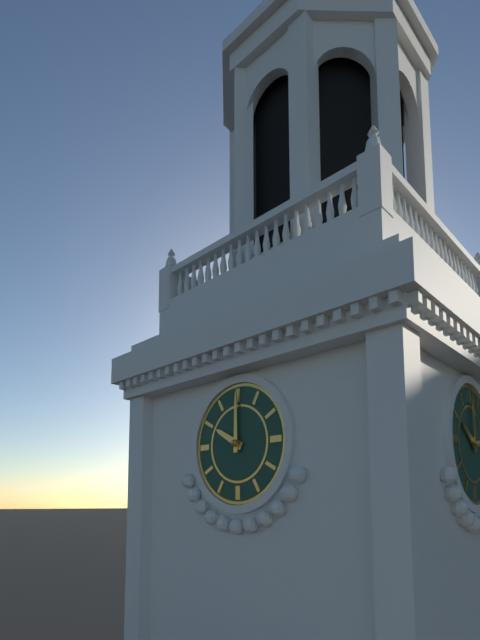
10:00
